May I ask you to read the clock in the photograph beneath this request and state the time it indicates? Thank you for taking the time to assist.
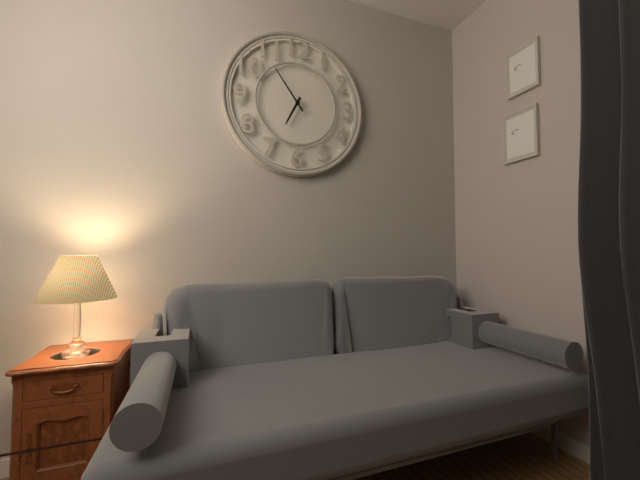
6:54
